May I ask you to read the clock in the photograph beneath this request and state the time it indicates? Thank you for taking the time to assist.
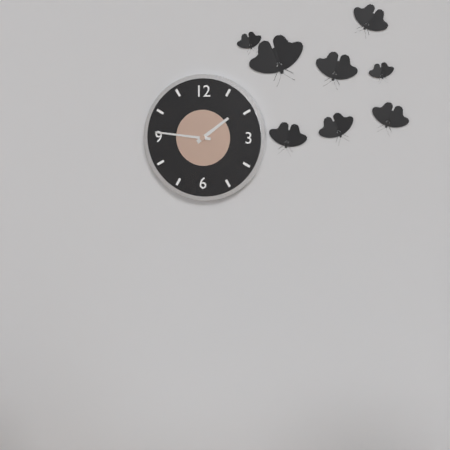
1:46
